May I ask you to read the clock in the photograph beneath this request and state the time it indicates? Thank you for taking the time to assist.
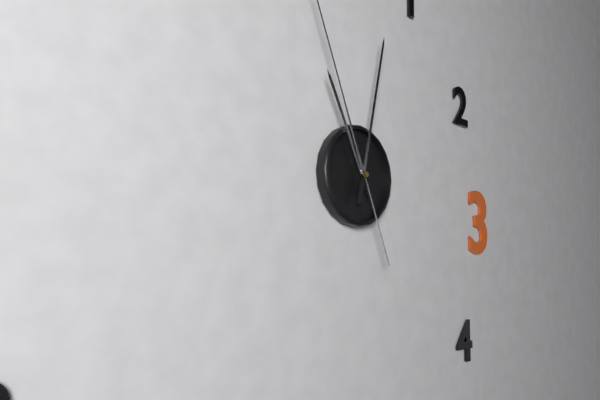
11:02
